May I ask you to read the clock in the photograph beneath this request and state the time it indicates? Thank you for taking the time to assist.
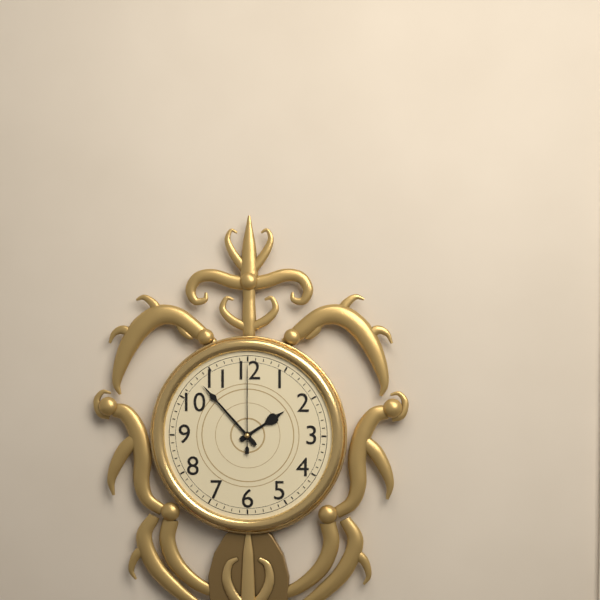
1:53:00
